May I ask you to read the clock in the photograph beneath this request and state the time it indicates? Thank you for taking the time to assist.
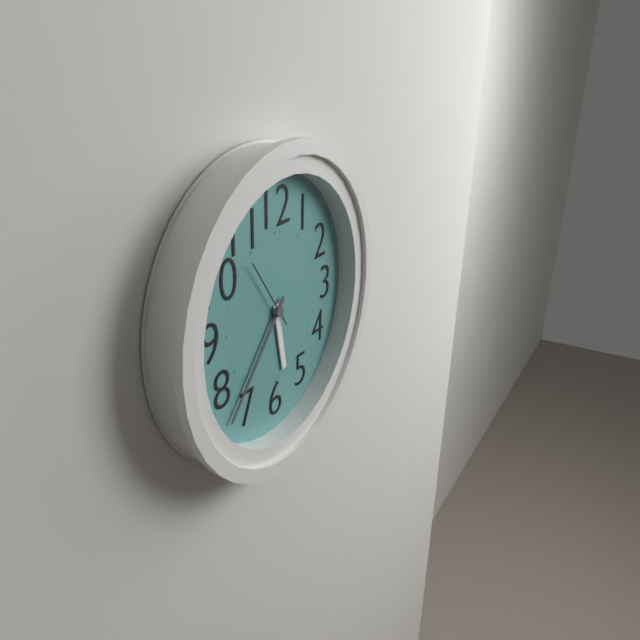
5:37:54
